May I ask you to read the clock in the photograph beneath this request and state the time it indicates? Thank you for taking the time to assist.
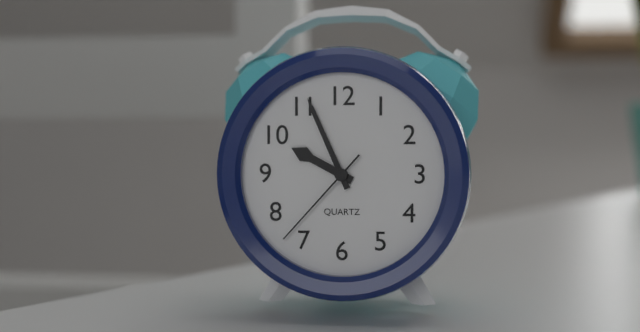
9:56:37
